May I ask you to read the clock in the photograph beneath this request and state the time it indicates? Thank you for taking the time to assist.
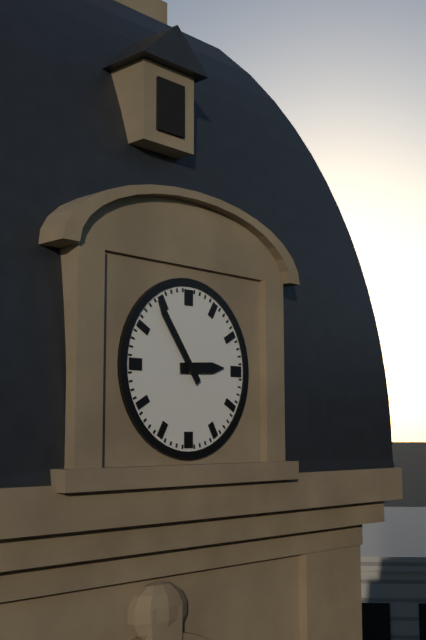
2:54
